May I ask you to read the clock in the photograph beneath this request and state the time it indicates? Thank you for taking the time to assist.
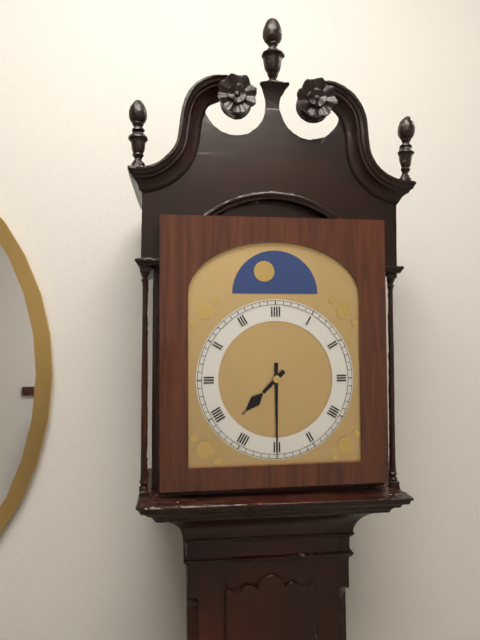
7:30
